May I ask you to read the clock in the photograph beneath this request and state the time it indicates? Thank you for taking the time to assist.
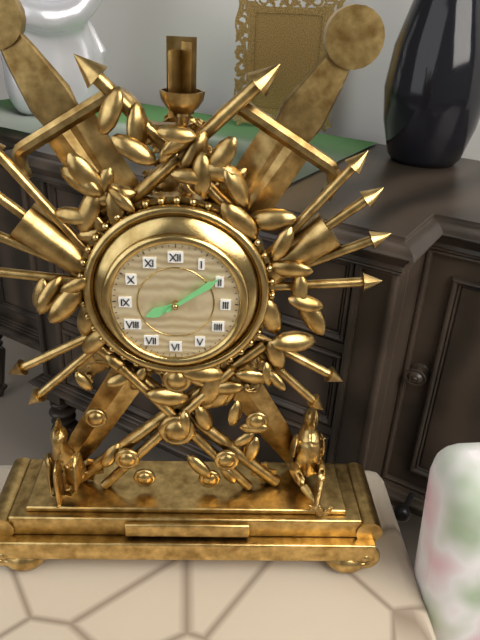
8:09
